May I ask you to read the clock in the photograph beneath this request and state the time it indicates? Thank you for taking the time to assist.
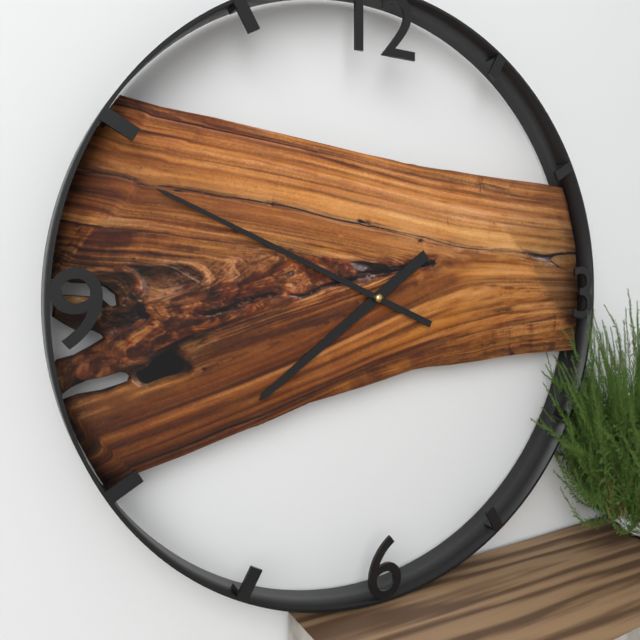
7:49
